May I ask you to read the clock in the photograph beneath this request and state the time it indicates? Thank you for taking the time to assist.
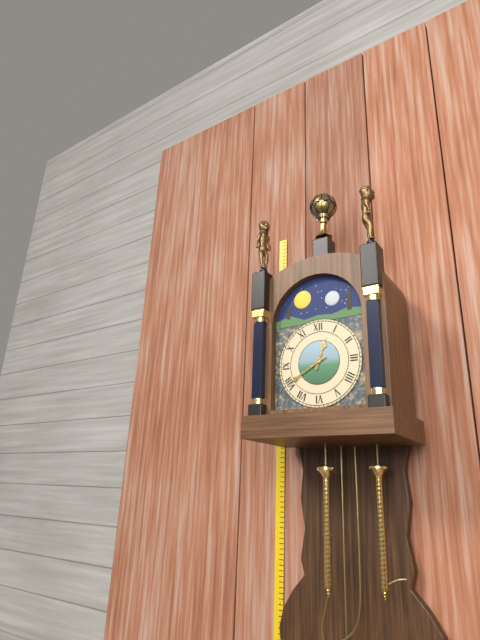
12:40
